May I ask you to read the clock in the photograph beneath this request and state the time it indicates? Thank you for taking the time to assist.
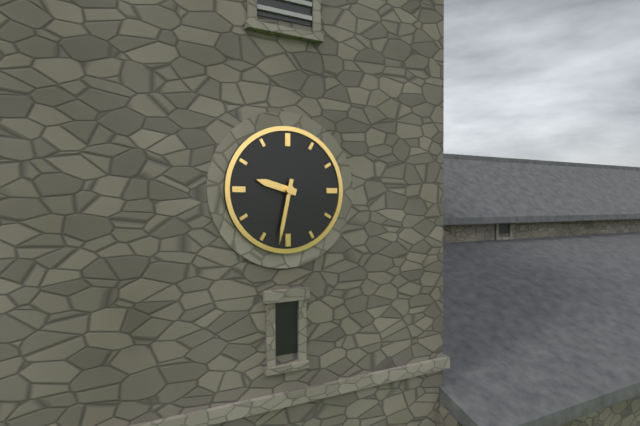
9:32
